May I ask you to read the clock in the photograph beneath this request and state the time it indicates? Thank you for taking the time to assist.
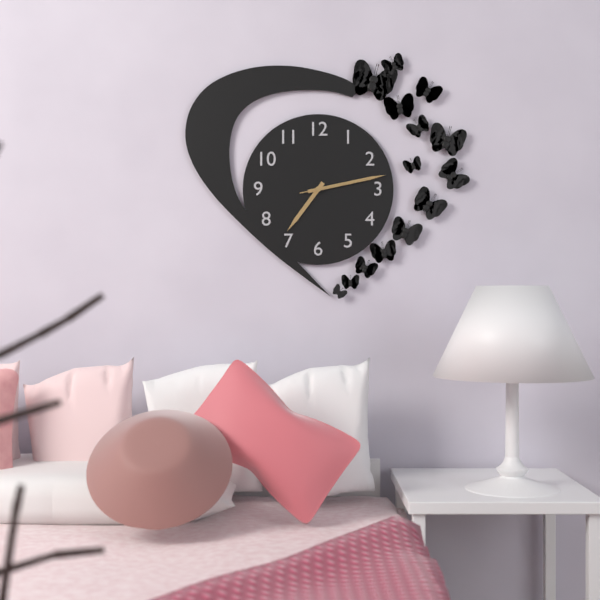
7:13:13
